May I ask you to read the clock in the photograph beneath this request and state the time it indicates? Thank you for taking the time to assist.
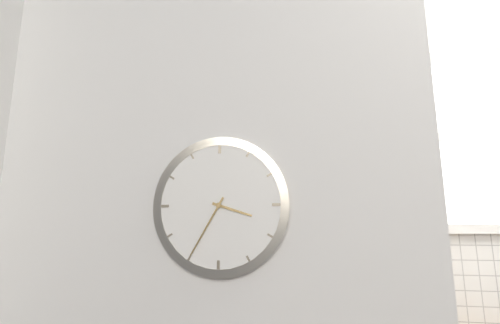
3:35
